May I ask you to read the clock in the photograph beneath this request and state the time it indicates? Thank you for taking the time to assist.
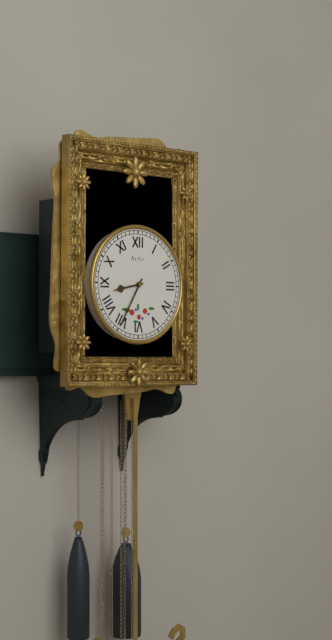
8:35
